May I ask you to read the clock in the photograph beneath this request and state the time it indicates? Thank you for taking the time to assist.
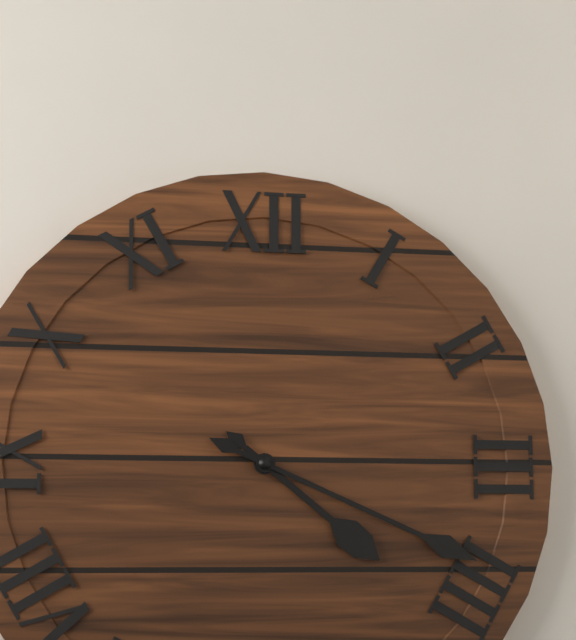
4:19
